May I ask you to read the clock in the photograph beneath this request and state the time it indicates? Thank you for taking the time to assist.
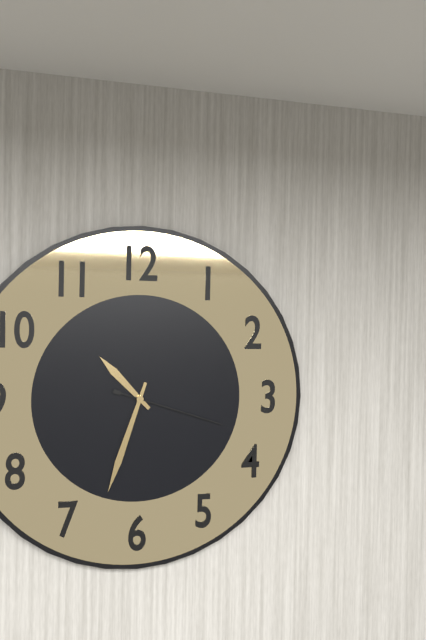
10:33:18
